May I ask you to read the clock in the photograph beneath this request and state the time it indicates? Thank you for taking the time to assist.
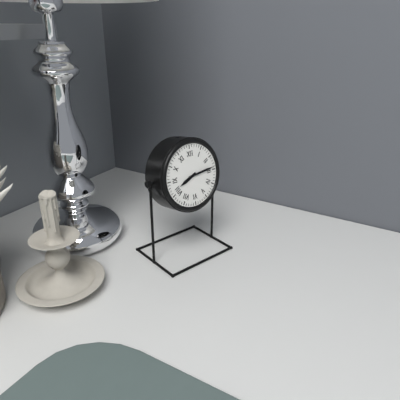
8:14
